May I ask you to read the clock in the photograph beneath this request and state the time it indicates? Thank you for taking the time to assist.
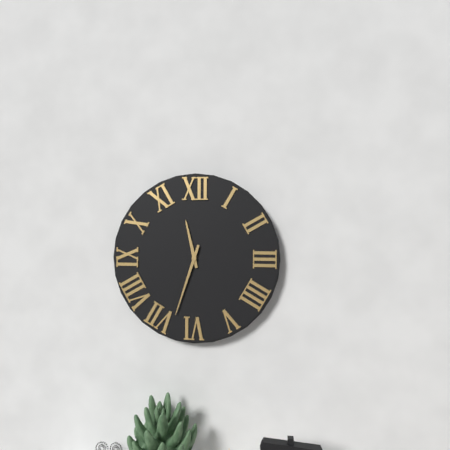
11:33
